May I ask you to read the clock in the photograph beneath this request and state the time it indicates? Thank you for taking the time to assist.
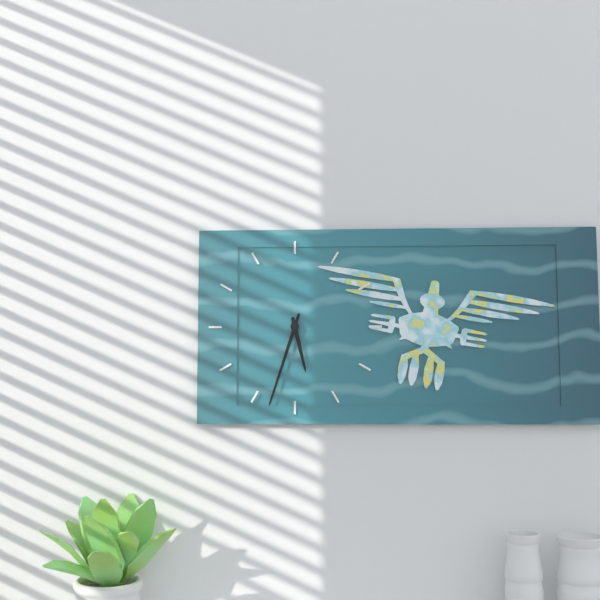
5:33
